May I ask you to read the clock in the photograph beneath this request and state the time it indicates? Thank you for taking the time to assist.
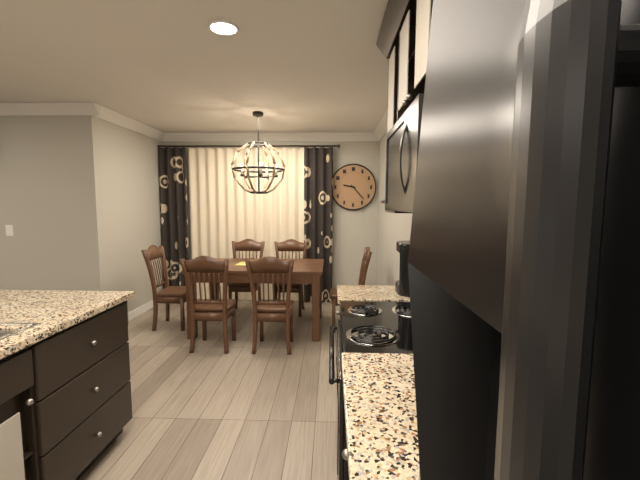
9:23
